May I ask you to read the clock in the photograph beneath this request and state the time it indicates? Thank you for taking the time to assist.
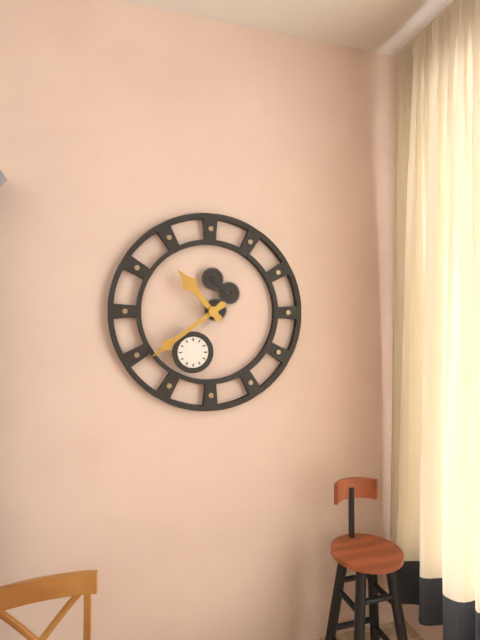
10:39
